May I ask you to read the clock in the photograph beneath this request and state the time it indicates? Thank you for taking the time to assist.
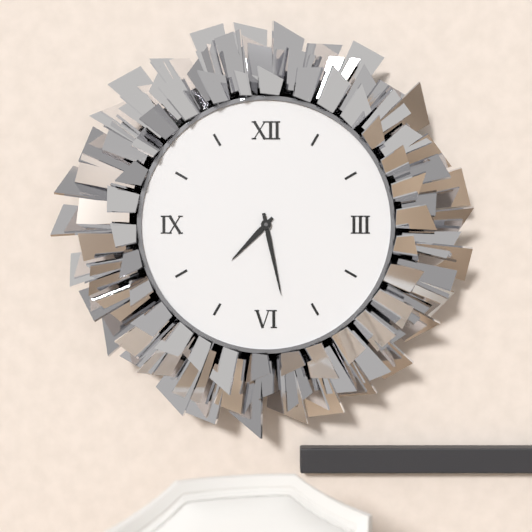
7:28
